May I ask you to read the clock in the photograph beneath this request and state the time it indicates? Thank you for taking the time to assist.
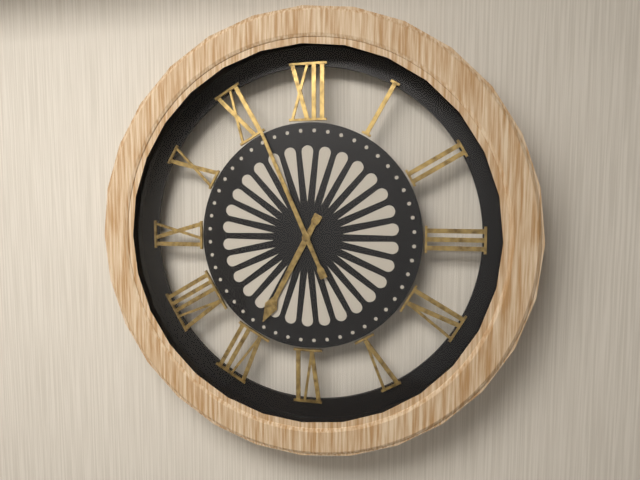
6:56
